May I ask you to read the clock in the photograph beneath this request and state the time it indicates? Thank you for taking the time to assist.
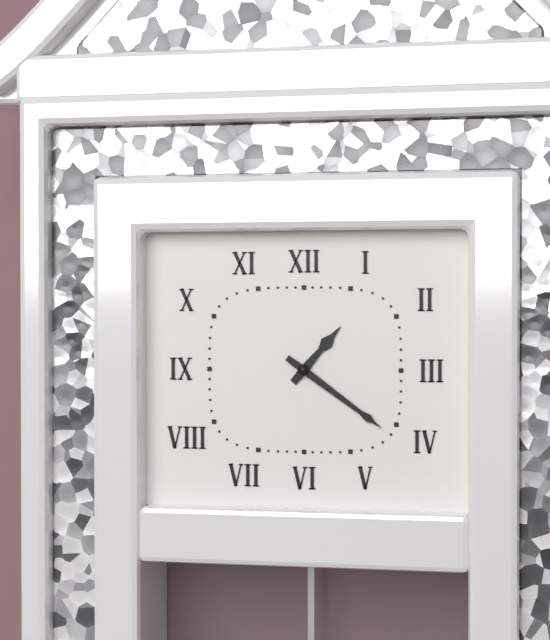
1:21
